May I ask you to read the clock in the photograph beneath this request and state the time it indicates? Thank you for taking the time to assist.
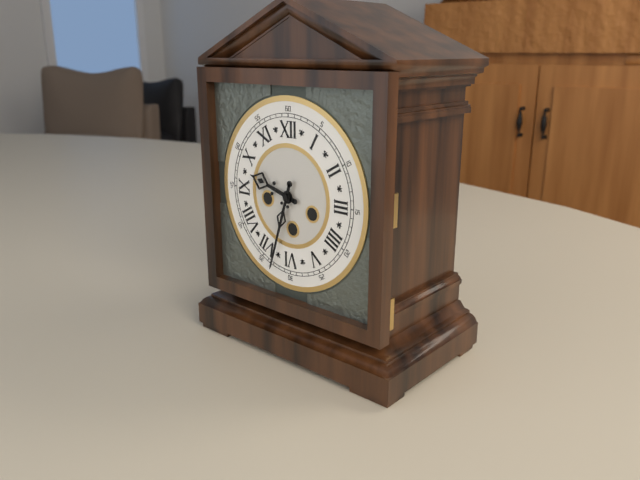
9:33
